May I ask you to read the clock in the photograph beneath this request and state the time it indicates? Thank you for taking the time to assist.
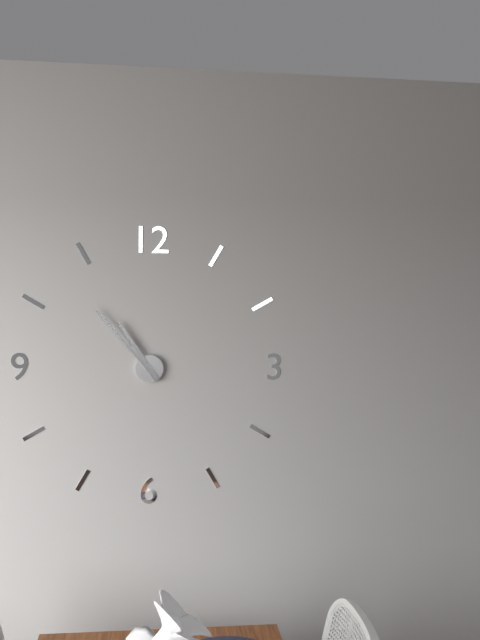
10:53
